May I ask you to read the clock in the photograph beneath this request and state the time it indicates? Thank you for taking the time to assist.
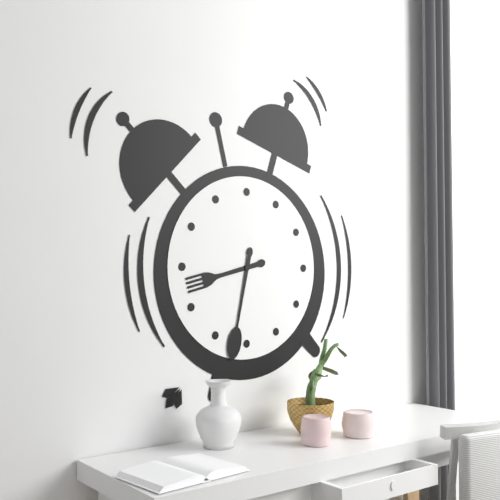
8:32
